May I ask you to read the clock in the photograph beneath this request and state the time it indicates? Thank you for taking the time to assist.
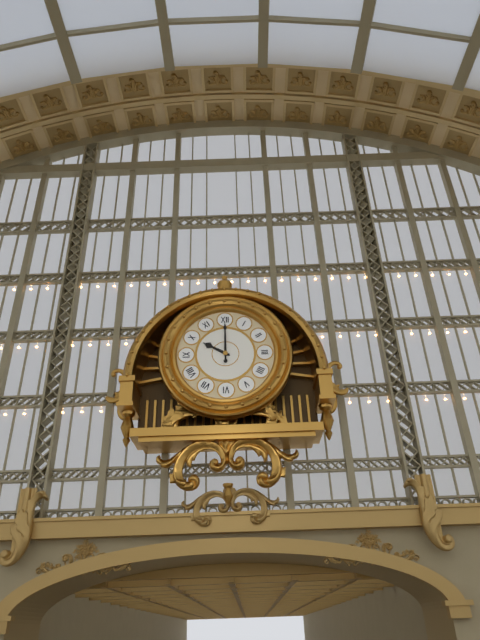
10:00
